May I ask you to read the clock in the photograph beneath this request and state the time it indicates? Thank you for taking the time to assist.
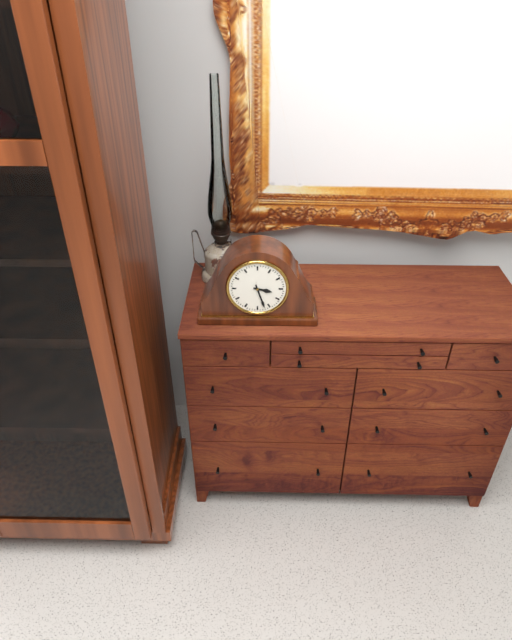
3:27
